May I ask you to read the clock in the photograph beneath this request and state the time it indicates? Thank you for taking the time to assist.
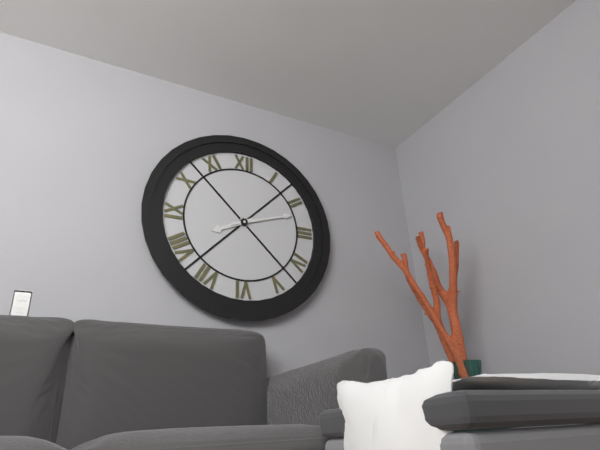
8:12
